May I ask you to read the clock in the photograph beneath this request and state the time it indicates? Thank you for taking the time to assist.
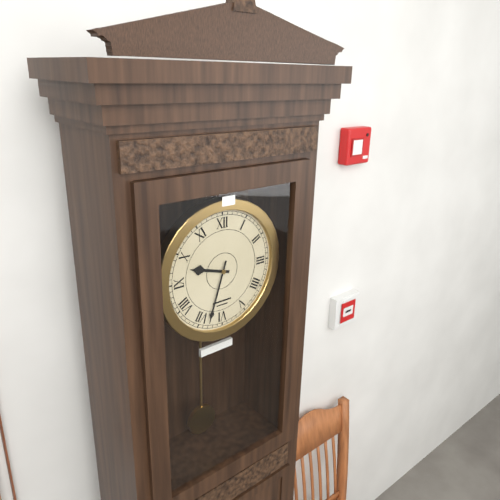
9:33
